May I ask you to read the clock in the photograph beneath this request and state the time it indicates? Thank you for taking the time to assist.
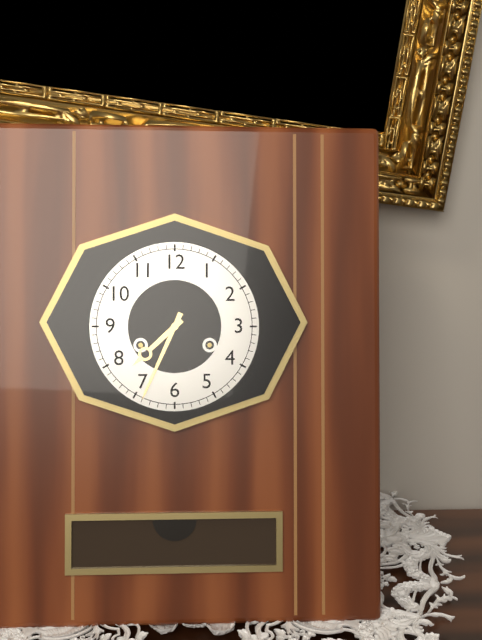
7:34
